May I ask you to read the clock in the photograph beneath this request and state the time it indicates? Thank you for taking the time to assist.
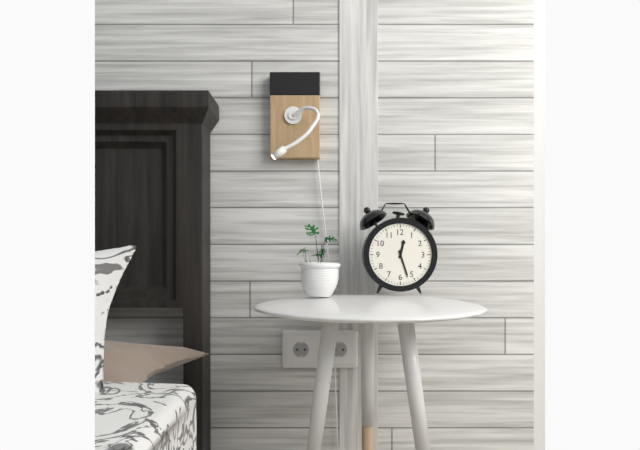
12:27
